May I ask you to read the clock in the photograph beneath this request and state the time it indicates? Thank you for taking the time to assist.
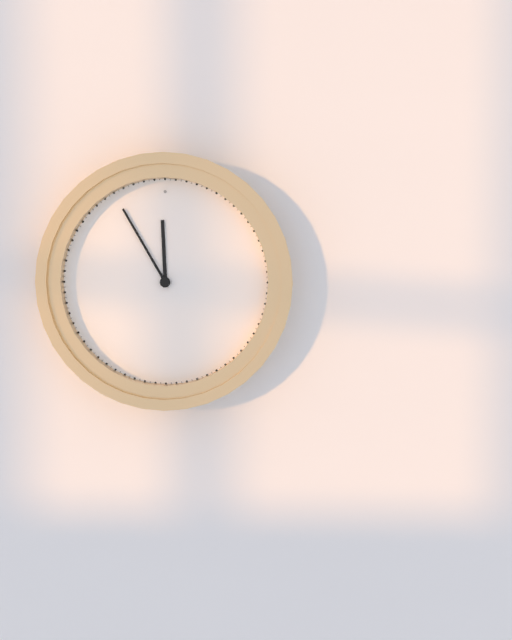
11:55
